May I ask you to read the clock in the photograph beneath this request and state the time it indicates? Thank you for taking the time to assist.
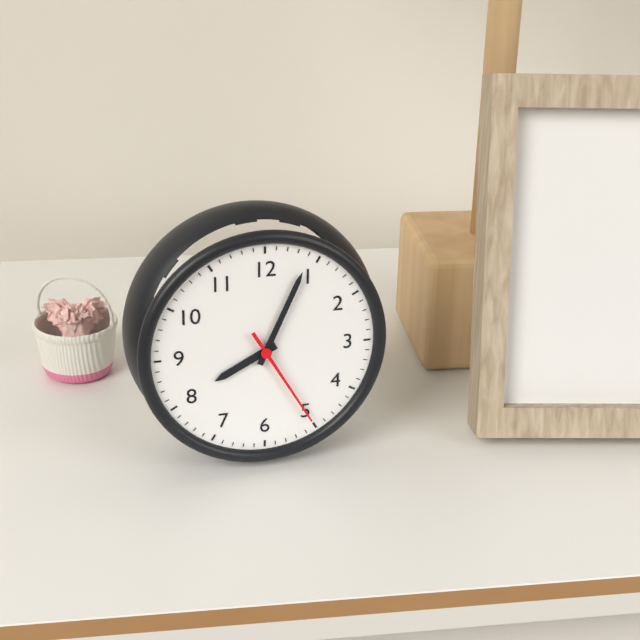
8:04:25
